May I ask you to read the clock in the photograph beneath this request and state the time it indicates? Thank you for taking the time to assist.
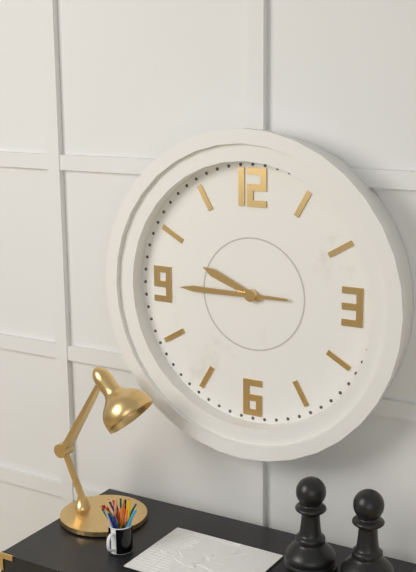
9:45
